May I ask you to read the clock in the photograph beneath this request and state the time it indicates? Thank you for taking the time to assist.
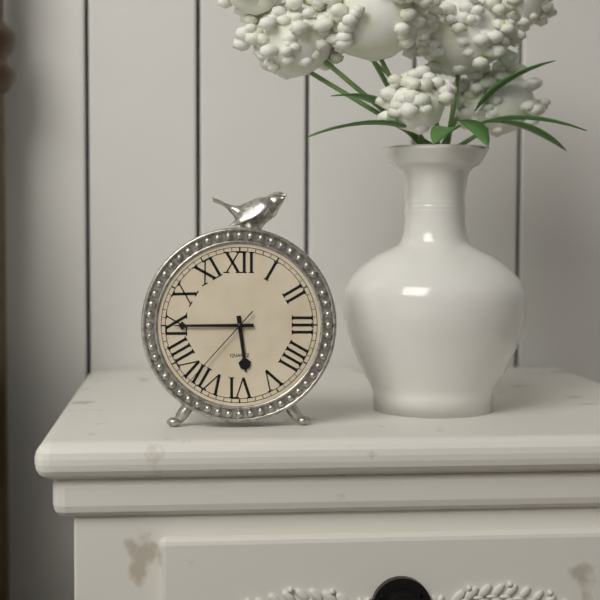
5:45:37
